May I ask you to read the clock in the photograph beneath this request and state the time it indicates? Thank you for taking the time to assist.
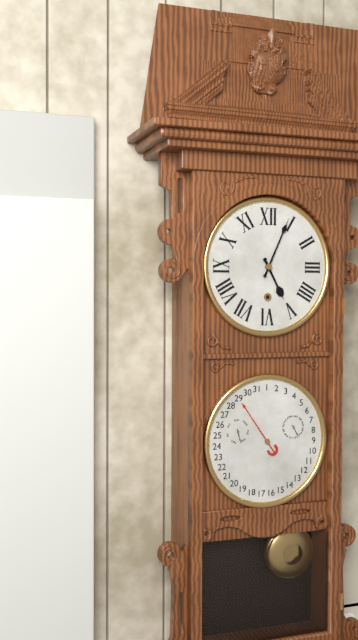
5:04
